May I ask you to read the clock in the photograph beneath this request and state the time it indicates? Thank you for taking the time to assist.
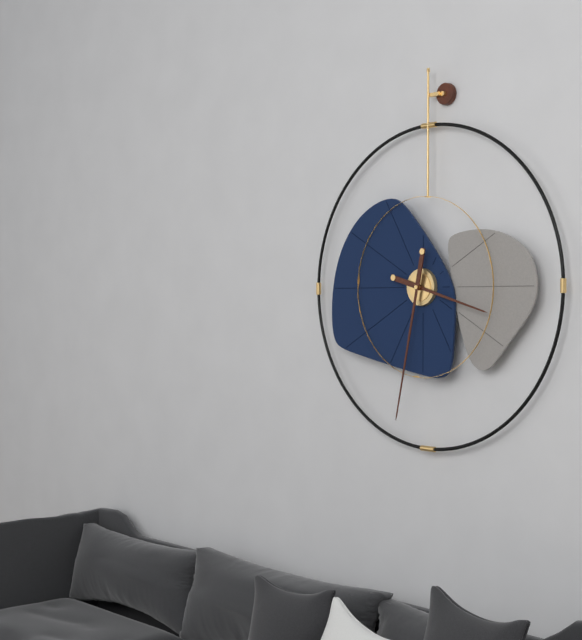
3:32
